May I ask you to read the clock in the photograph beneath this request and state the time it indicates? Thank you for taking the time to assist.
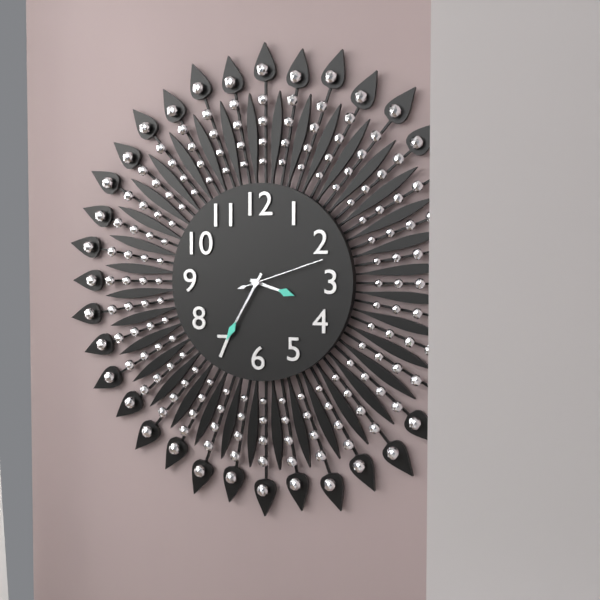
3:35:12
